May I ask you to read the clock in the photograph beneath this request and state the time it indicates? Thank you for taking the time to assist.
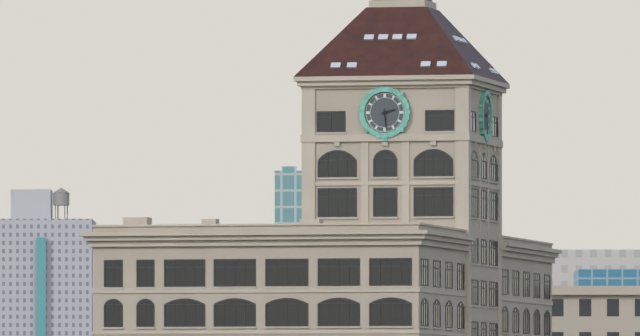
2:29
